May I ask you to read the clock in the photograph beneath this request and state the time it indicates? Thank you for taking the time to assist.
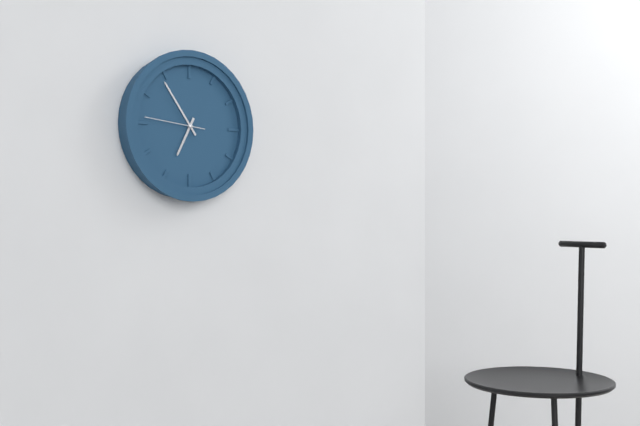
6:54:46
